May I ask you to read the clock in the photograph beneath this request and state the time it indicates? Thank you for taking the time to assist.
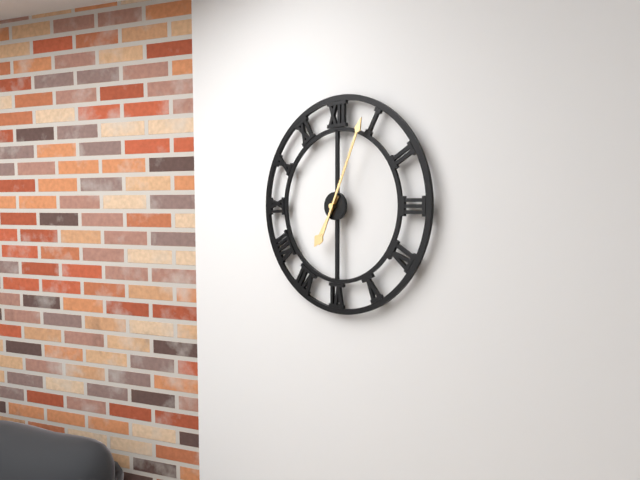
7:04
